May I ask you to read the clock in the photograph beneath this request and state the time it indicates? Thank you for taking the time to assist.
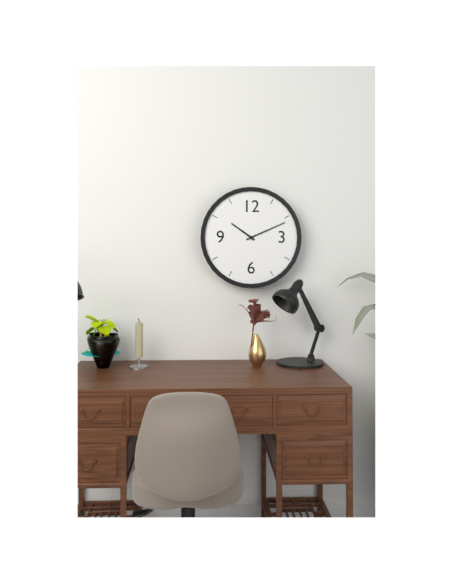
10:11
